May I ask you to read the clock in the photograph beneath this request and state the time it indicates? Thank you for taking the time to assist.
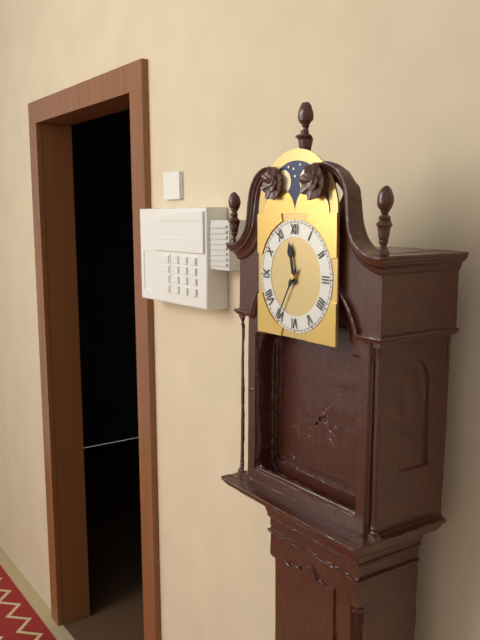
11:35
